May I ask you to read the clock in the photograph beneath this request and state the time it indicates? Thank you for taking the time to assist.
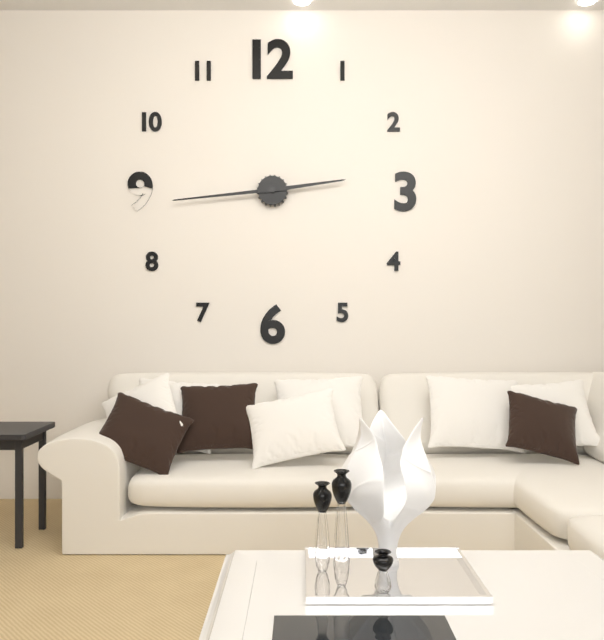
2:44
